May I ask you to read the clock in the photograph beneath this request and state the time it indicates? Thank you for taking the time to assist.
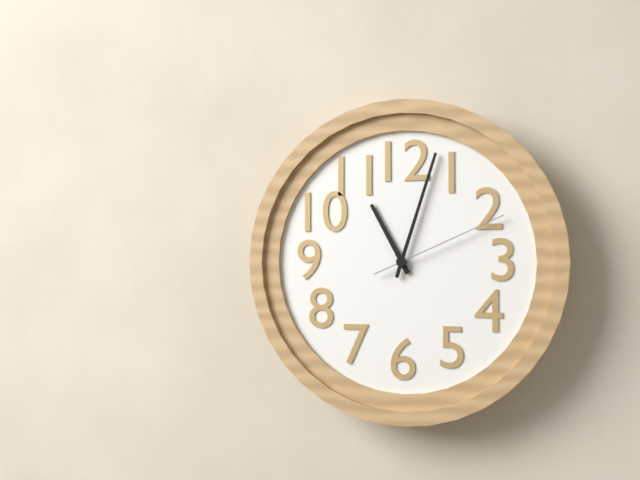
11:03:11
